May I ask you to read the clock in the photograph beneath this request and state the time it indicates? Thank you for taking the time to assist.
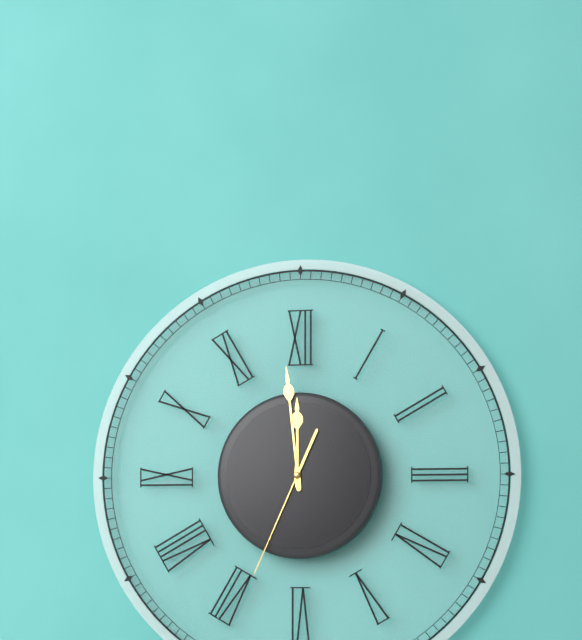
11:59:34
